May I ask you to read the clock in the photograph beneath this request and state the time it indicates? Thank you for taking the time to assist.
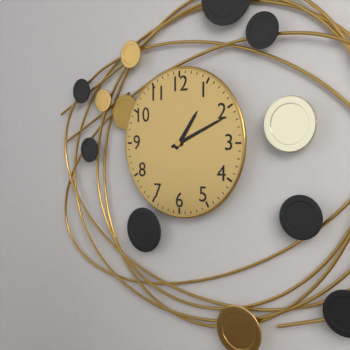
1:11
